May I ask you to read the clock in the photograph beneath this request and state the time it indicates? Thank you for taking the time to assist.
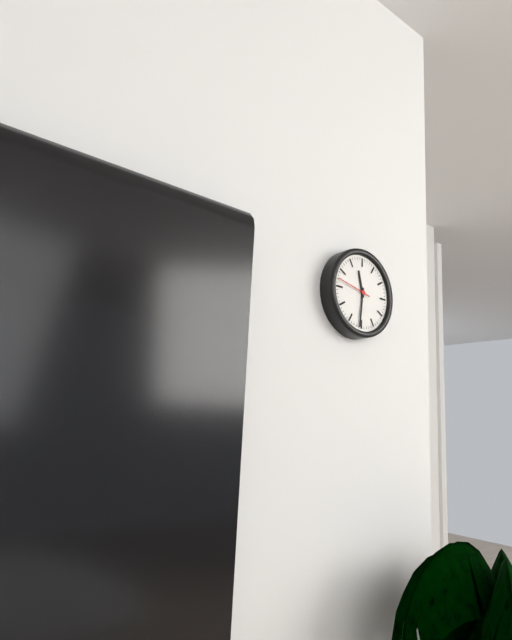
11:31
